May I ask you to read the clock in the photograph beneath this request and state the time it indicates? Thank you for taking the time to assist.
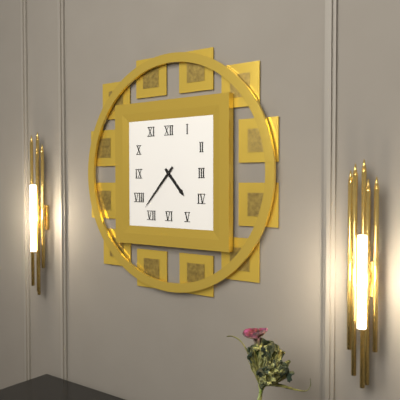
4:37
